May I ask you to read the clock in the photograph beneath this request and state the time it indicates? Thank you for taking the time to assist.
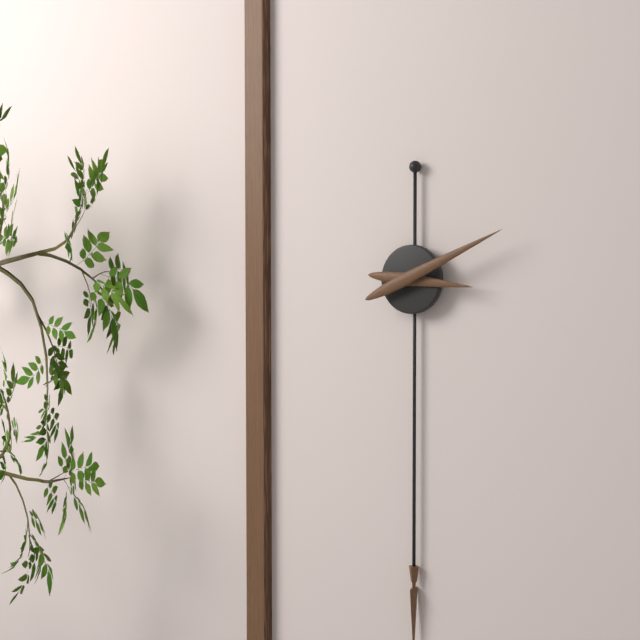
3:11
